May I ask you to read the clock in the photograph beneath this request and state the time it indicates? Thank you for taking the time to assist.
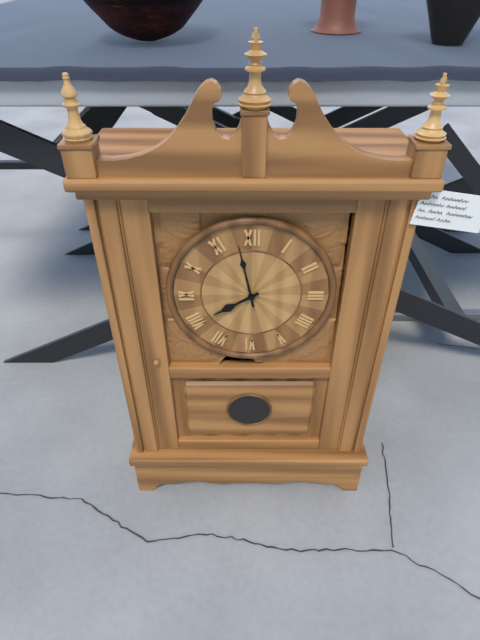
7:58
